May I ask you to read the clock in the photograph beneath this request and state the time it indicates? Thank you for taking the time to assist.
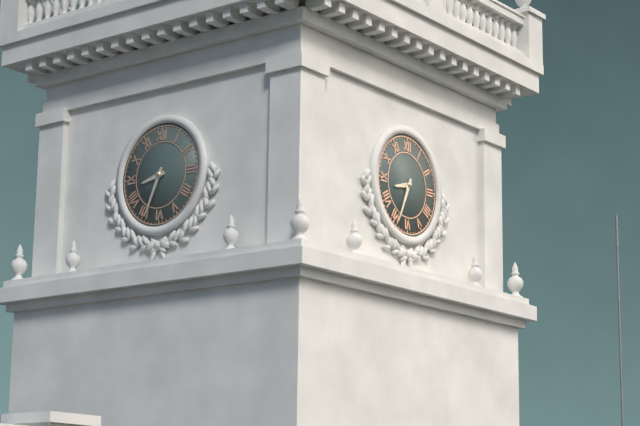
8:34
